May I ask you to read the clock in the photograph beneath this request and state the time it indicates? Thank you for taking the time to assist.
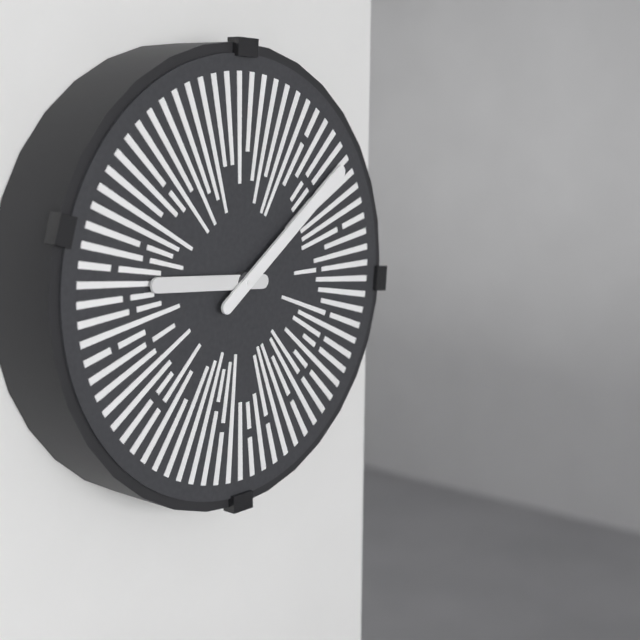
9:09
